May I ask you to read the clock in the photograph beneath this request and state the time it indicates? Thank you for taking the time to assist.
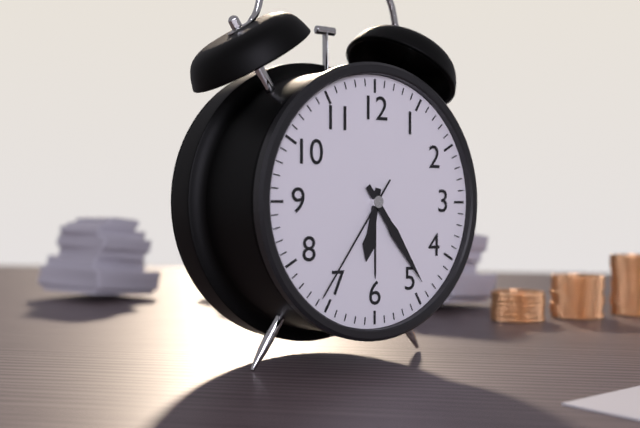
6:24:36
